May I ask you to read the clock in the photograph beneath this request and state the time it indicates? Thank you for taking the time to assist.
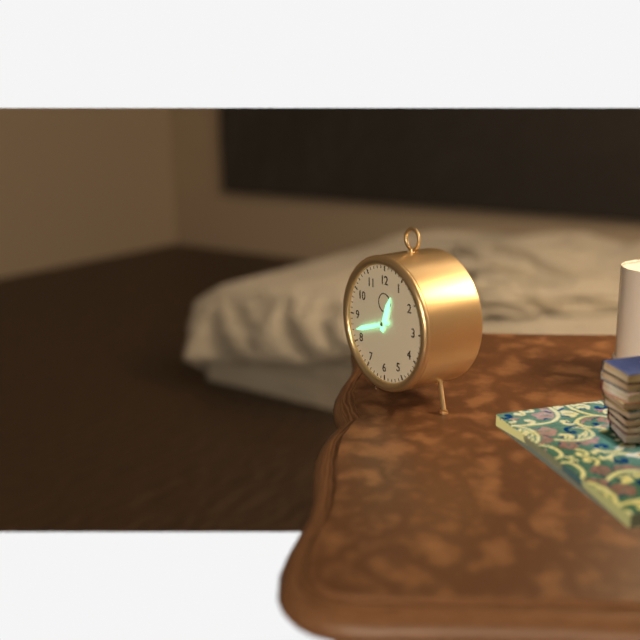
12:42
